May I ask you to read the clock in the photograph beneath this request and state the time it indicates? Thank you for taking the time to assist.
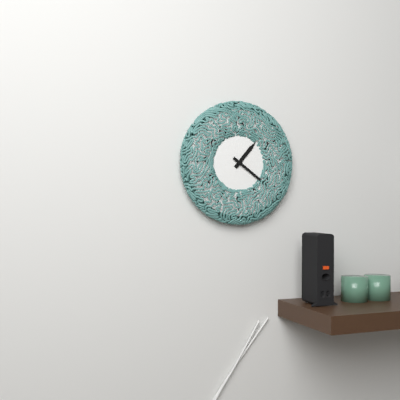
1:21
